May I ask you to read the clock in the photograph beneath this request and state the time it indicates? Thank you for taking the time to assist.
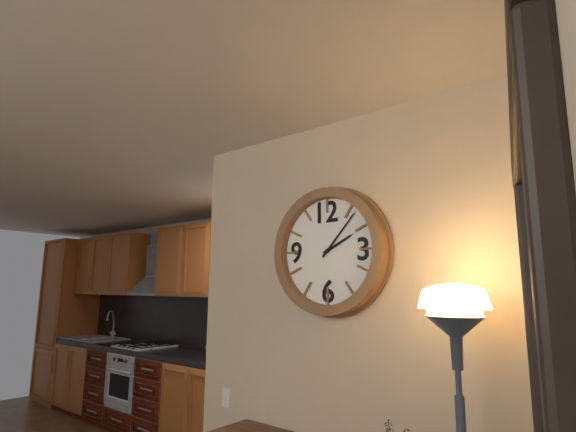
2:07
